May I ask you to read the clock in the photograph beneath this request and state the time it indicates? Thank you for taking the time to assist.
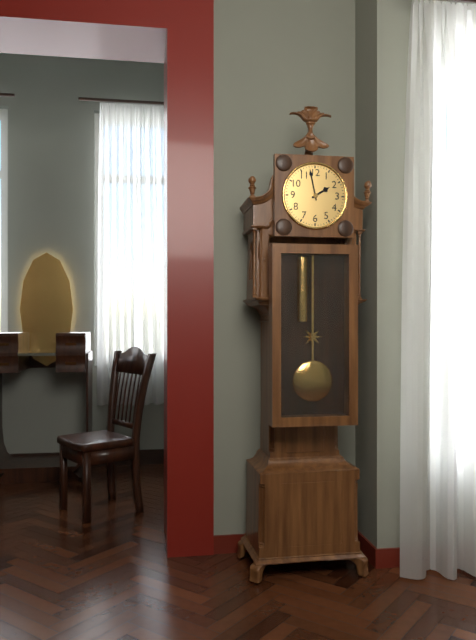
1:58
